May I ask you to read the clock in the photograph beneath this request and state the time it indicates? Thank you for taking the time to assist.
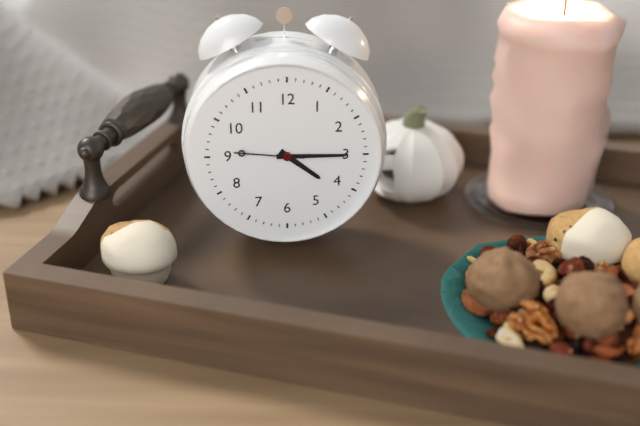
4:15:46
